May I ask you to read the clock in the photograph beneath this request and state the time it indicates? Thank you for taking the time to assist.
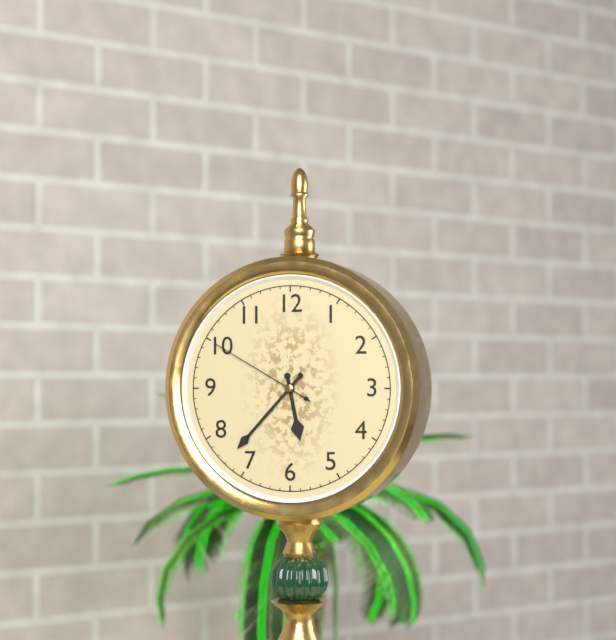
5:37:50
